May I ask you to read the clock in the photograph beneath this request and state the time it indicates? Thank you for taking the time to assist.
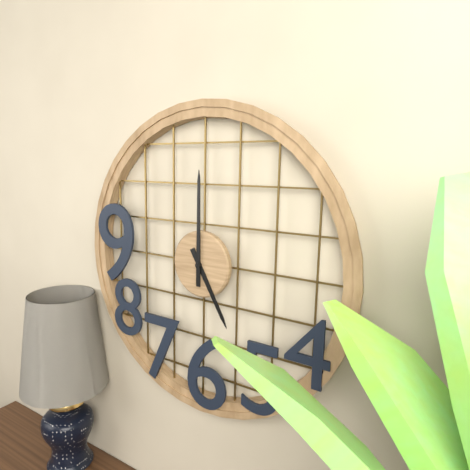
5:00
